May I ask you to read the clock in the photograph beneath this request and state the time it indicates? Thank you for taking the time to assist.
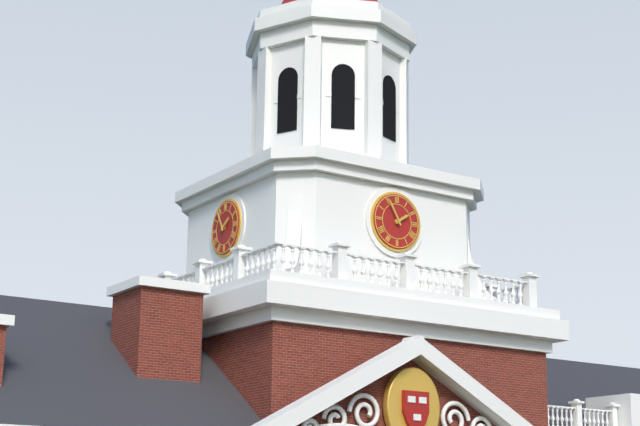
1:55
